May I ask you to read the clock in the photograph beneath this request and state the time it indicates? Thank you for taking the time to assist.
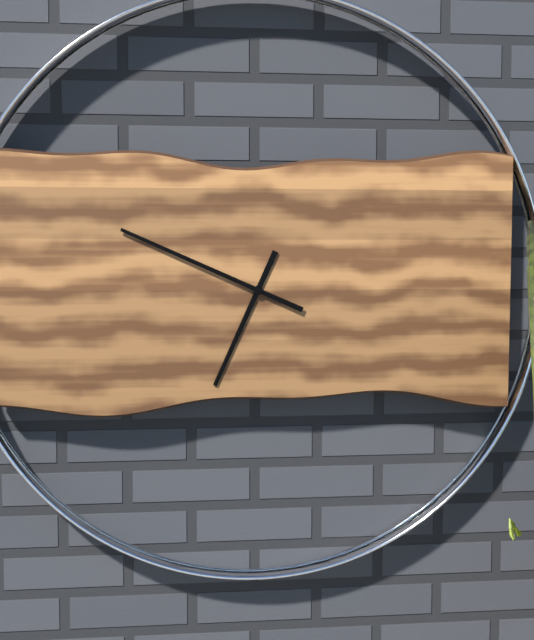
6:49
